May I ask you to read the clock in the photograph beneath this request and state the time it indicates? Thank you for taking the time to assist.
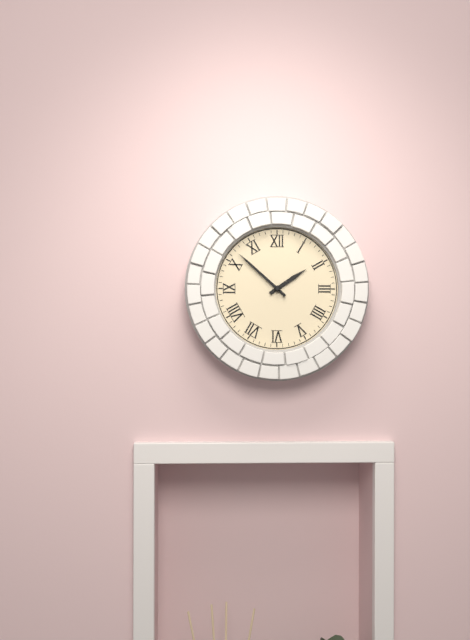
1:52
